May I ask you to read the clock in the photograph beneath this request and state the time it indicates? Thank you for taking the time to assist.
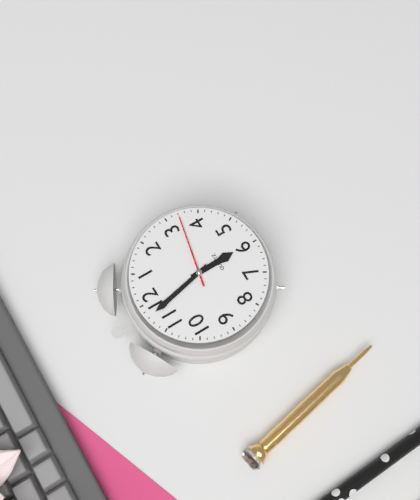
5:58:17
